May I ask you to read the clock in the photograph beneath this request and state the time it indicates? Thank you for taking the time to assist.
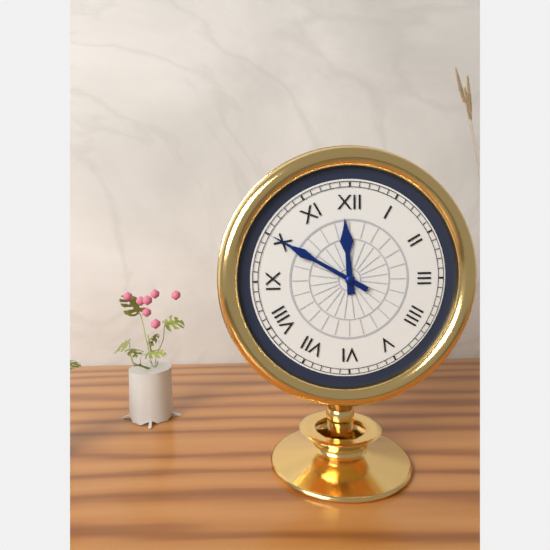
11:50
